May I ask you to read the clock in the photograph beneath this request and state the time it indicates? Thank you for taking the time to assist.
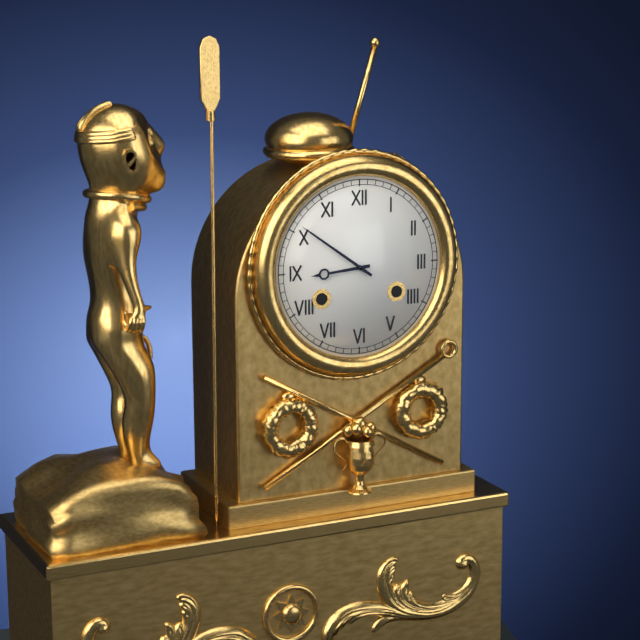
8:51
